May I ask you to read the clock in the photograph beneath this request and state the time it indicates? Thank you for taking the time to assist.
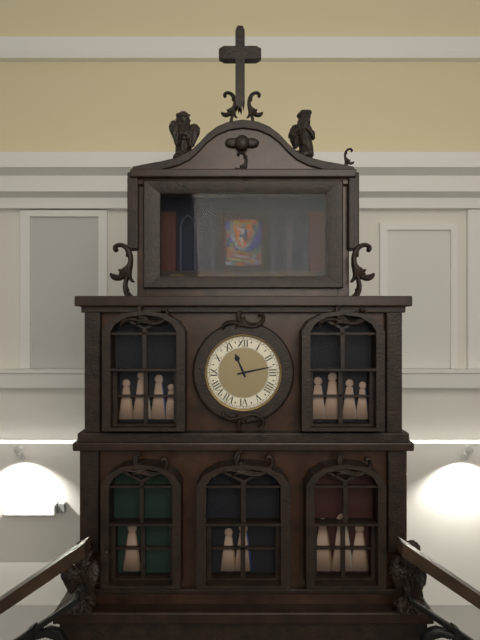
11:13
